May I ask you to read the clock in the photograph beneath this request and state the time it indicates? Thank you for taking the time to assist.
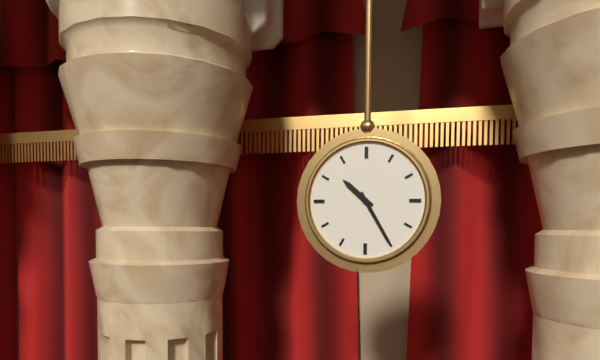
10:25
